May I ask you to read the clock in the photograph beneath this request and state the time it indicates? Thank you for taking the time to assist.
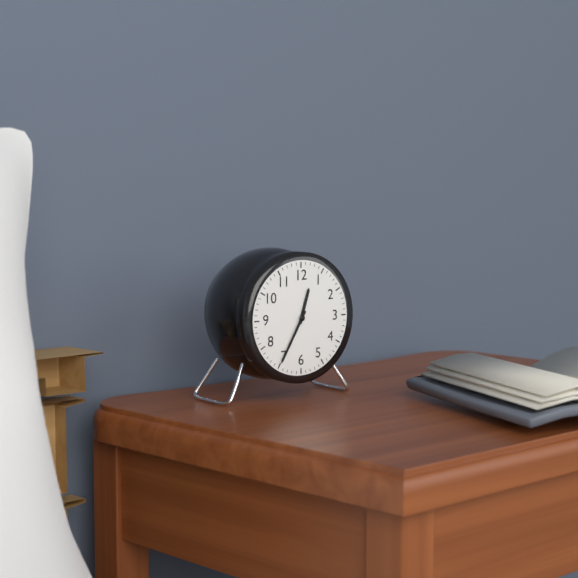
12:35
